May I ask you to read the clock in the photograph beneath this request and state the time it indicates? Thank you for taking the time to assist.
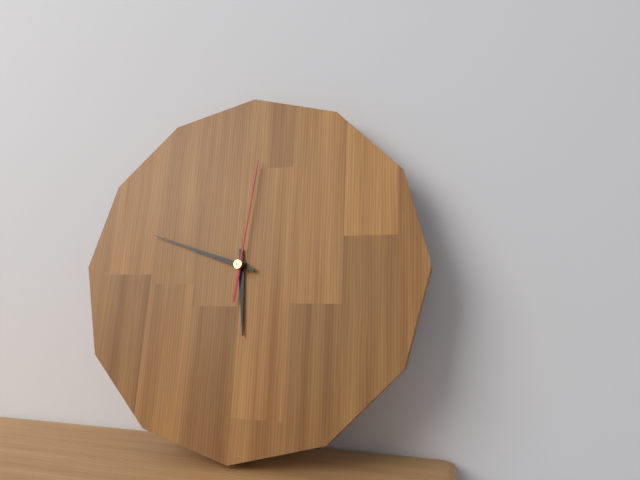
5:48:01
